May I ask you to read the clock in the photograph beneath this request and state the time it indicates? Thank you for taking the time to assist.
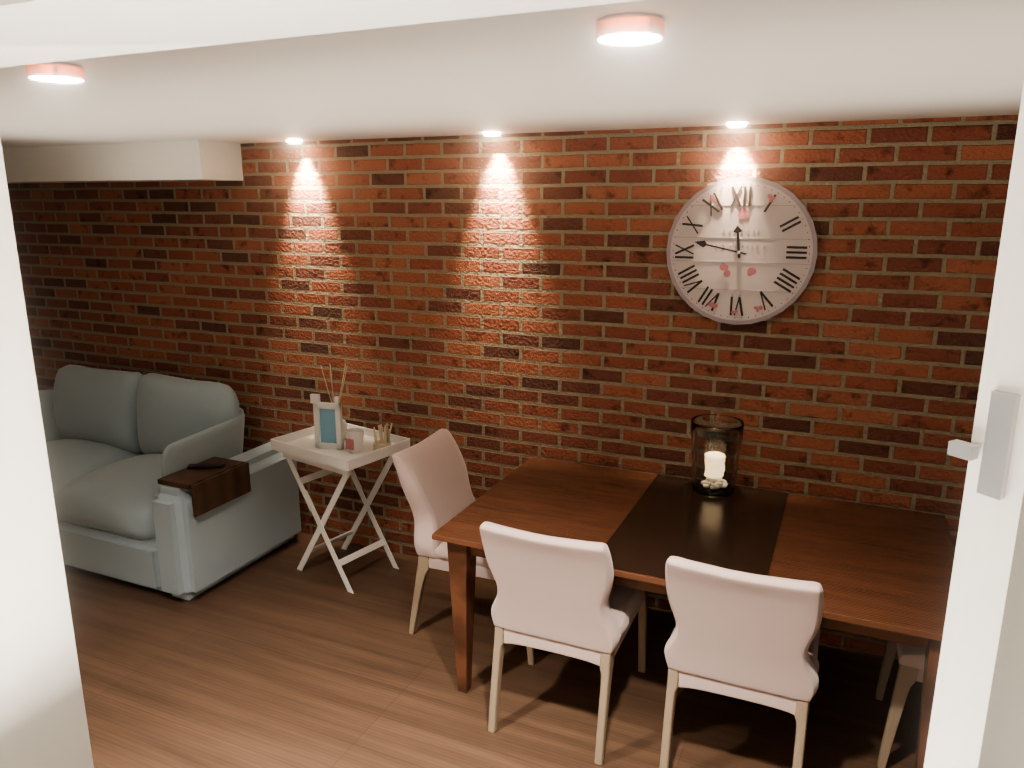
11:47
